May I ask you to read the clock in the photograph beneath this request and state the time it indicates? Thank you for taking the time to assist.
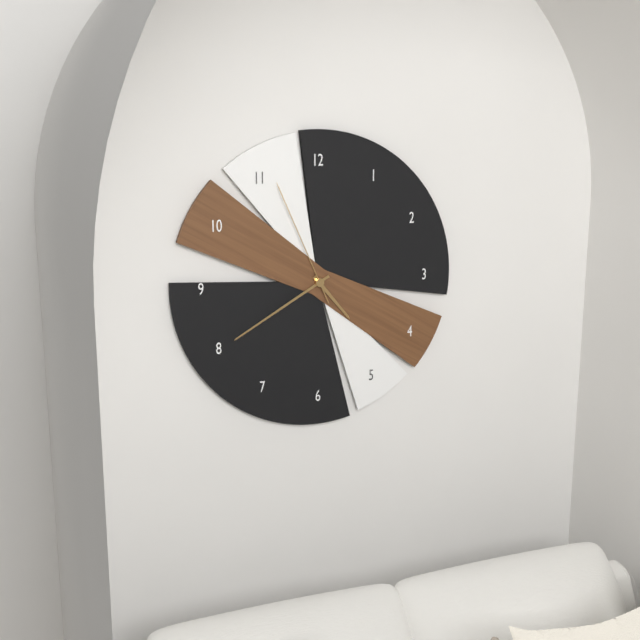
4:40:56
